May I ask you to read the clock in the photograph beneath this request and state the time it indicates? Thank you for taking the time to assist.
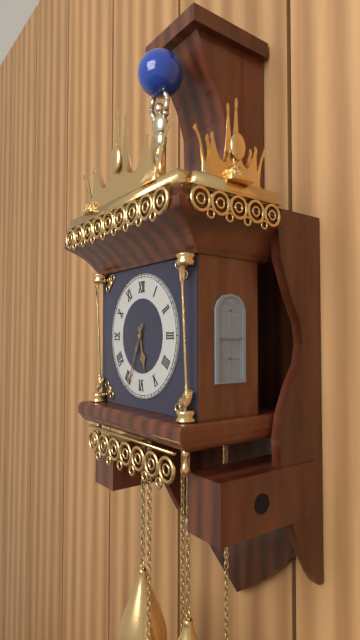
5:34
